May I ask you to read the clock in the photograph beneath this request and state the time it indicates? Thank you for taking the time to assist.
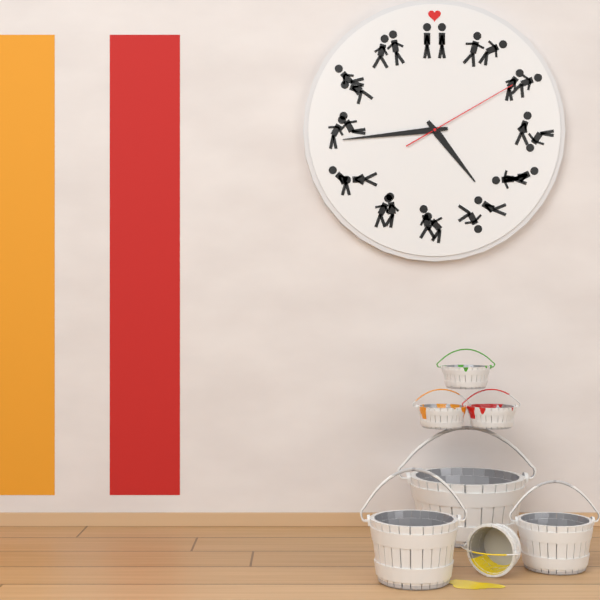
4:44:10
